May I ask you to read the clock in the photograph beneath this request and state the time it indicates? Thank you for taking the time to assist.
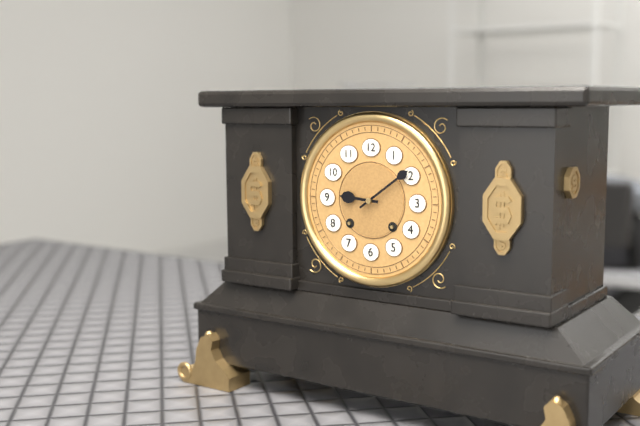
9:09
